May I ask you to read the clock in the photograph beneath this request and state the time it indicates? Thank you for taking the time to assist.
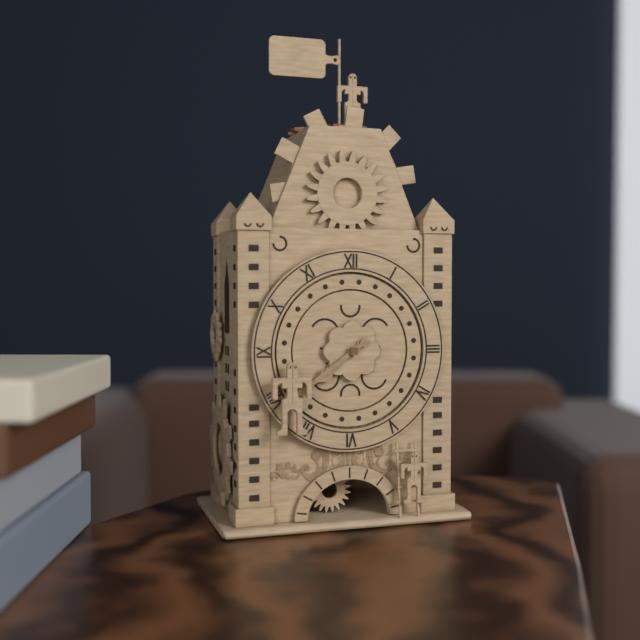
7:39
